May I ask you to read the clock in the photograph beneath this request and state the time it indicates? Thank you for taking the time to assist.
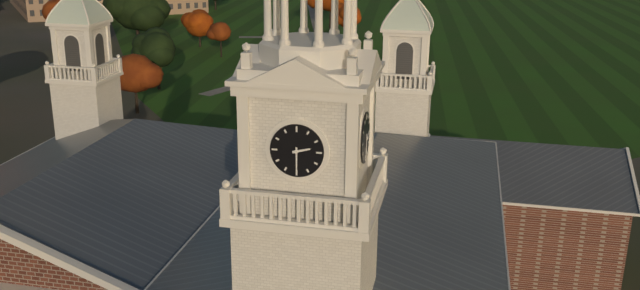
2:30
